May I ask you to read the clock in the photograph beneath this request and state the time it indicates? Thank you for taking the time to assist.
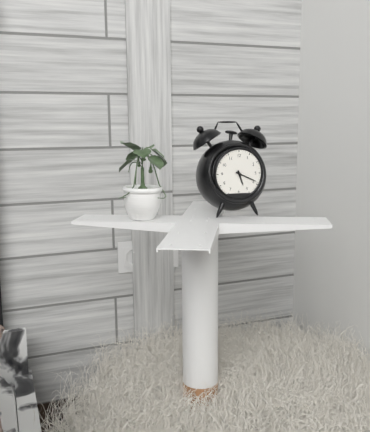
5:19
